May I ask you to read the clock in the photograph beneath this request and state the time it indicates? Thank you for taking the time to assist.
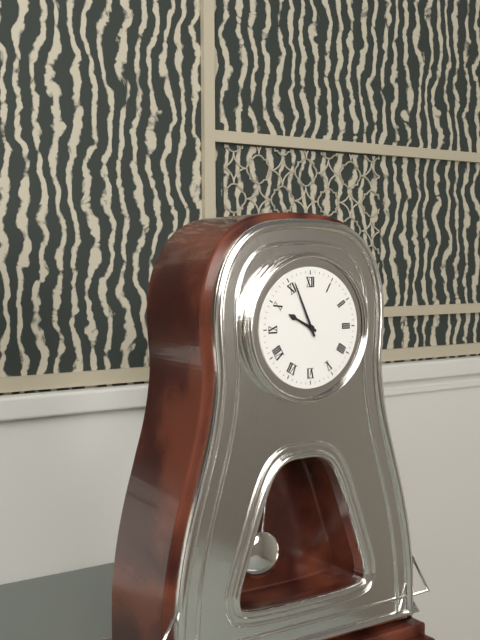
9:56
